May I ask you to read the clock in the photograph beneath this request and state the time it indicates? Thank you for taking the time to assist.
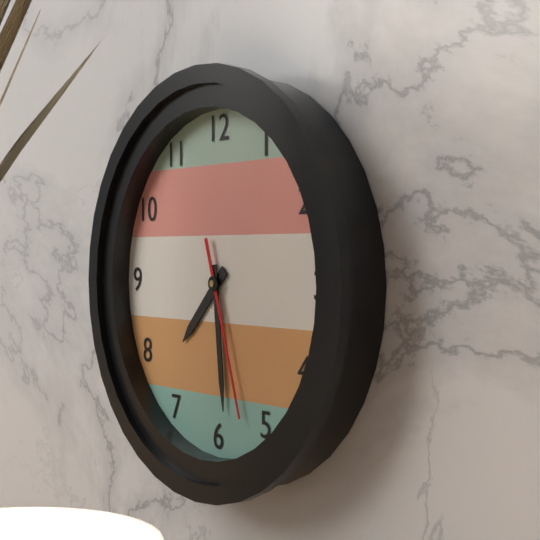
7:29:27
